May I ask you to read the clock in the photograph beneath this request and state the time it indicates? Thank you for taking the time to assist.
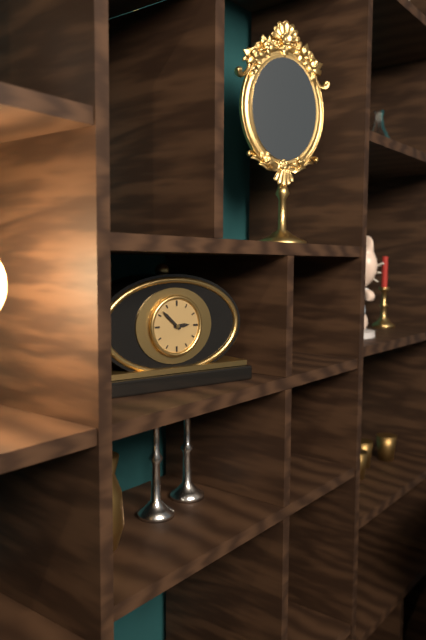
2:52
